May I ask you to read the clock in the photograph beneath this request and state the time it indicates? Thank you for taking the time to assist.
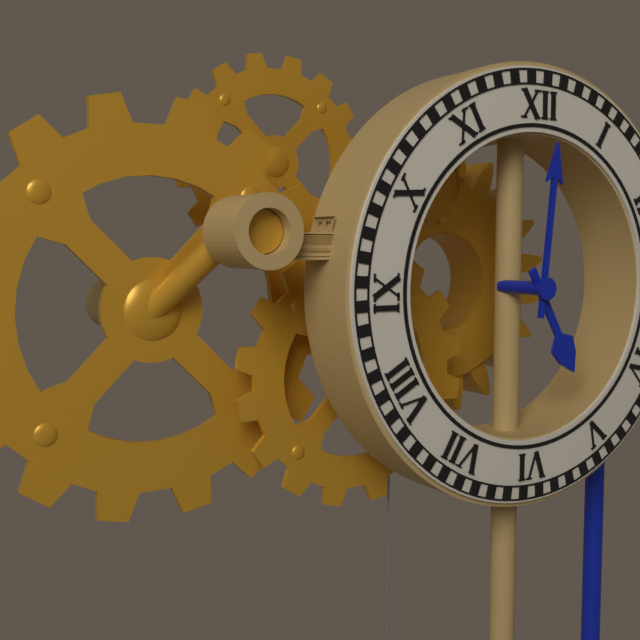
5:01
